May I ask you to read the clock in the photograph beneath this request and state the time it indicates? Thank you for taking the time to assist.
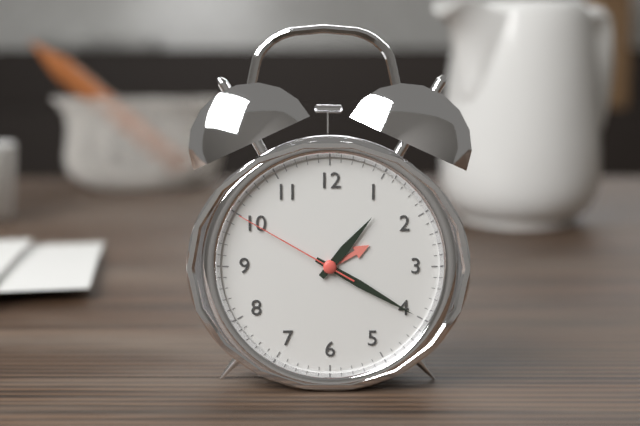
1:20:50
